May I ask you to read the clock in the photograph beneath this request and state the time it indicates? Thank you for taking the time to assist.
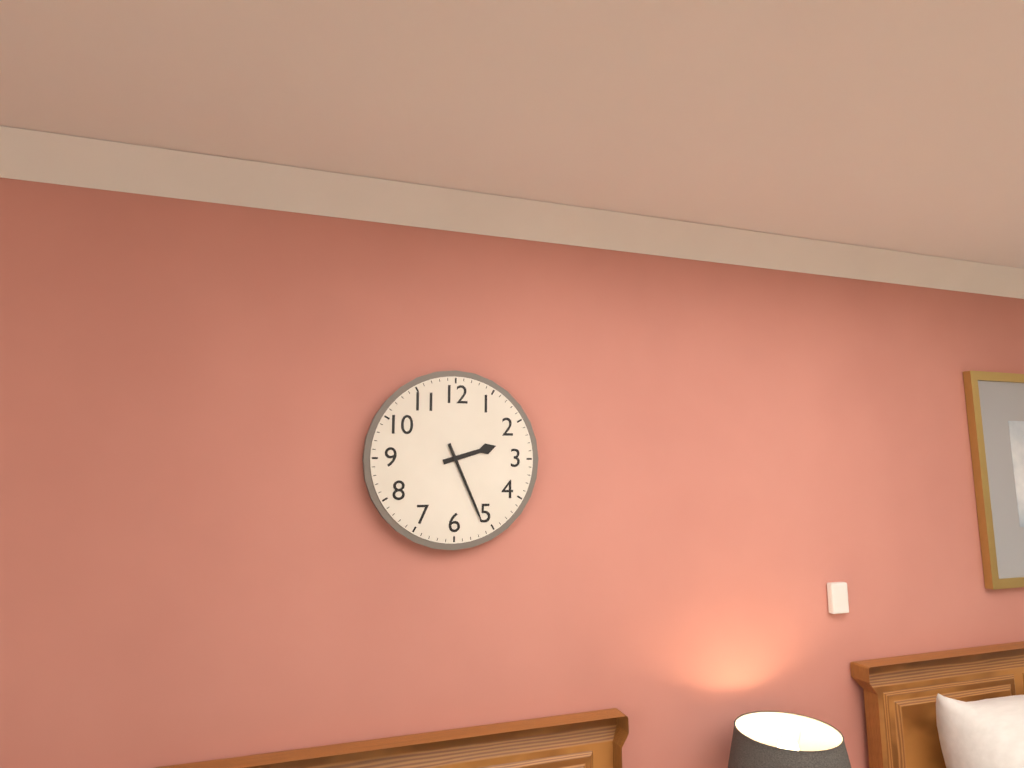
2:26
